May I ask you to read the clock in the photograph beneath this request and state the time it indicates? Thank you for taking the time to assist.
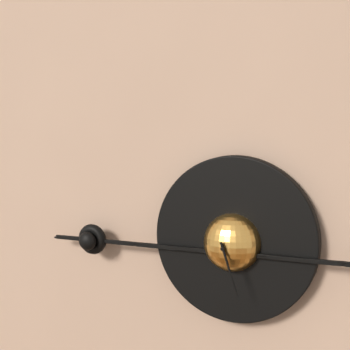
5:27
